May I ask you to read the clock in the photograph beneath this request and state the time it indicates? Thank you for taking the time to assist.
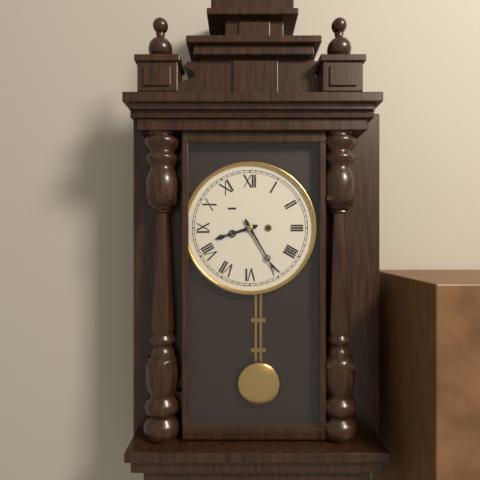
8:25
